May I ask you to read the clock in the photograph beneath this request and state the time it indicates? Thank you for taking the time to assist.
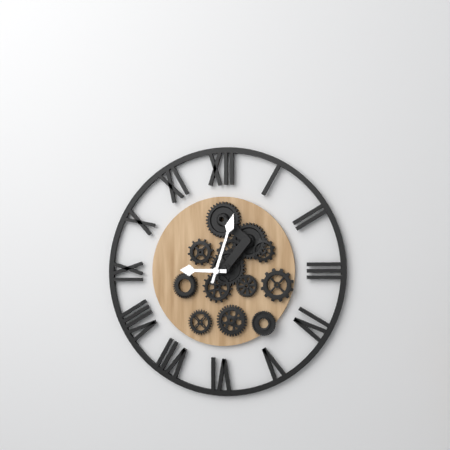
9:03
